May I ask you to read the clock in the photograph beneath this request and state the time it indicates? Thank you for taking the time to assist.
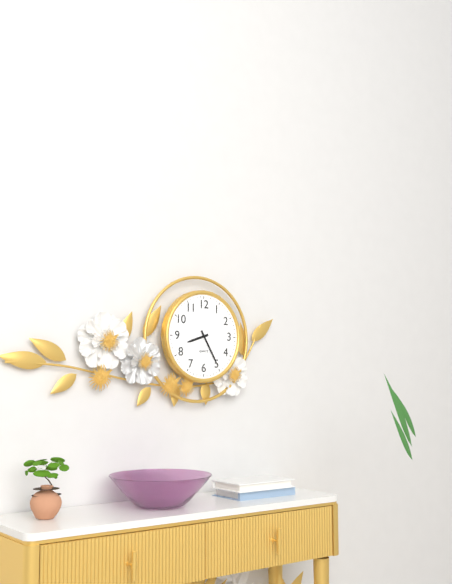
8:25
